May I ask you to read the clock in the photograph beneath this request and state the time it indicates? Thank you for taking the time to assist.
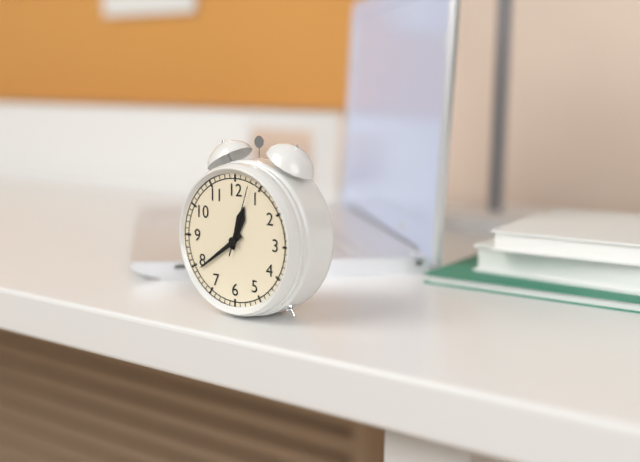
12:39:03
